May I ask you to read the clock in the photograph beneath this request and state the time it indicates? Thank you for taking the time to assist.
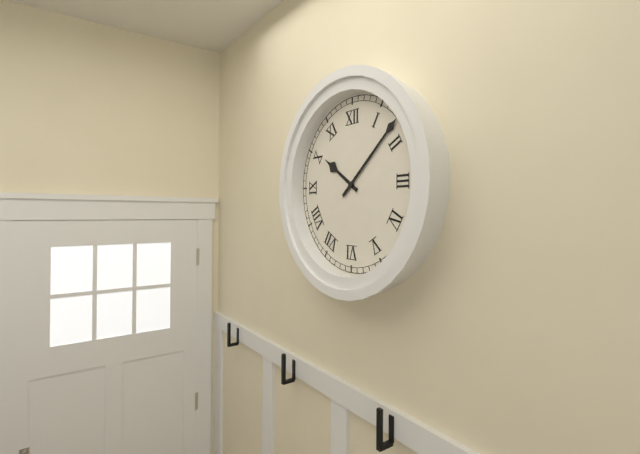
10:08
